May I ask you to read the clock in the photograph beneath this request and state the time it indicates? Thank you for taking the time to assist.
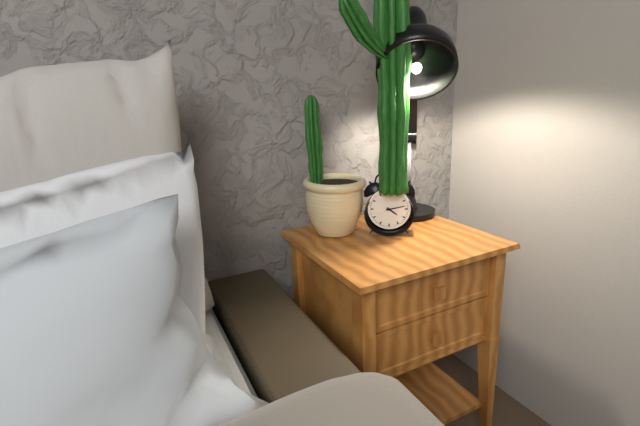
4:13
